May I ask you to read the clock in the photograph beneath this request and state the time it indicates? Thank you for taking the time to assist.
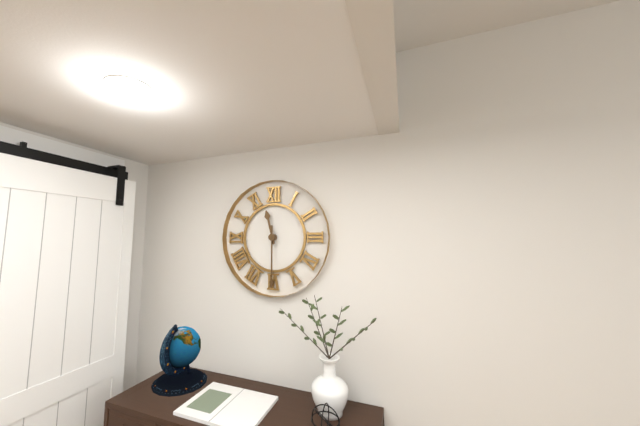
11:30
